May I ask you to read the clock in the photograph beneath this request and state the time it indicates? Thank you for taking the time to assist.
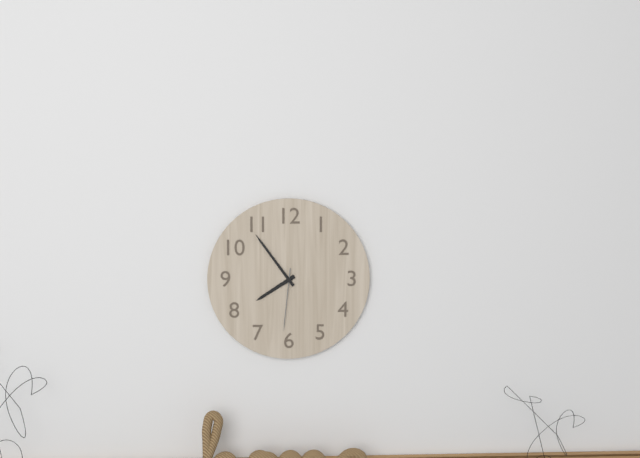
7:54:31
